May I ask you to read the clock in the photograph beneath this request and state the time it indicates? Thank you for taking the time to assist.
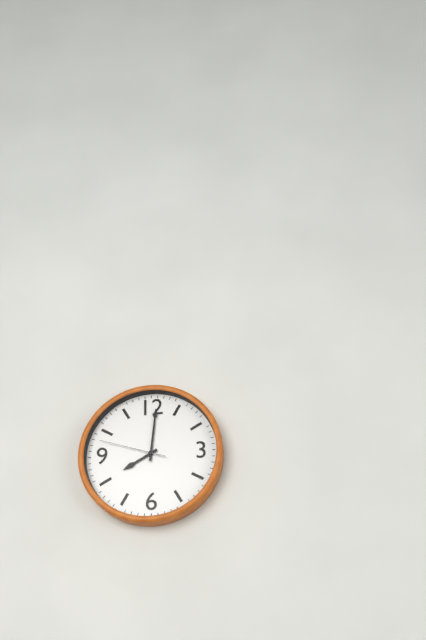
8:01:48
